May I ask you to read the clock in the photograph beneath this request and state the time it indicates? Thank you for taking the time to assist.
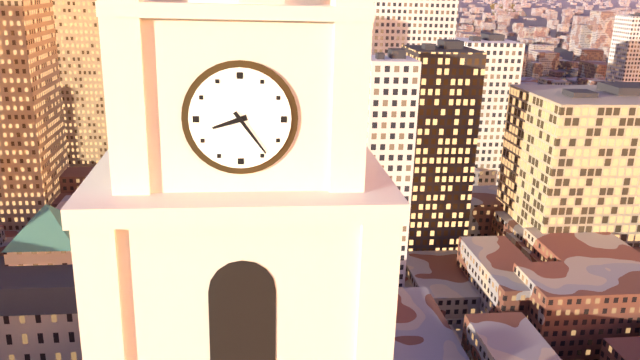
8:24
